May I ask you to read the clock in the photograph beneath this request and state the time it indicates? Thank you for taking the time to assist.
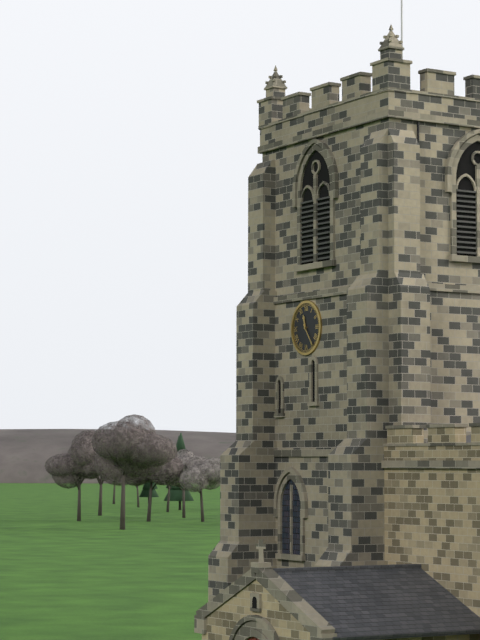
11:24
